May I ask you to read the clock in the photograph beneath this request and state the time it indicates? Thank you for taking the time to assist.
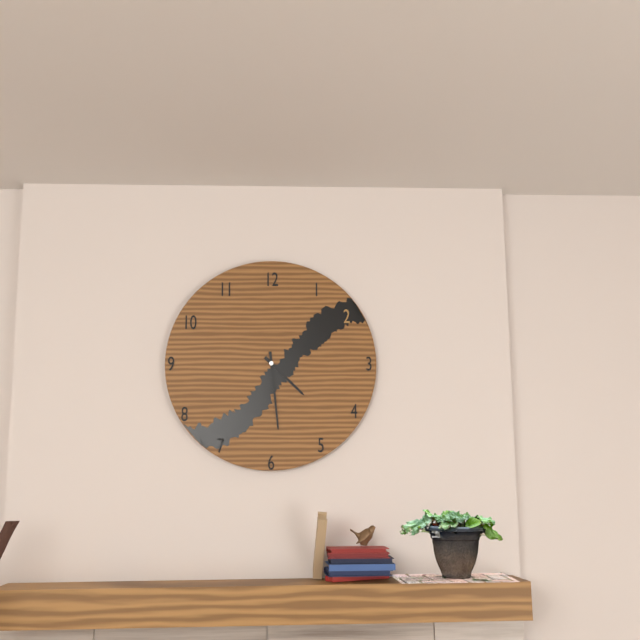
4:29
